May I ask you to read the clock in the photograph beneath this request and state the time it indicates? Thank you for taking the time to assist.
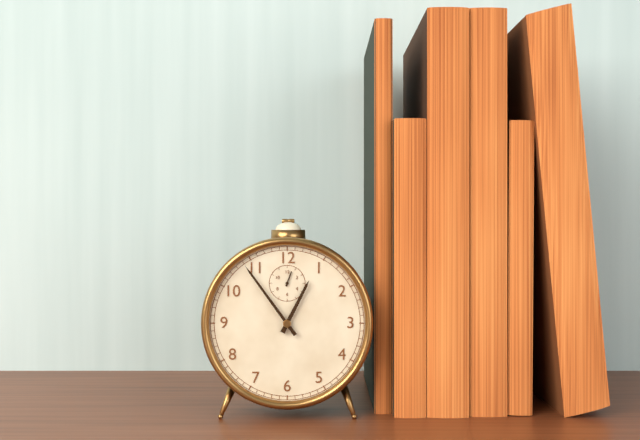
12:54
